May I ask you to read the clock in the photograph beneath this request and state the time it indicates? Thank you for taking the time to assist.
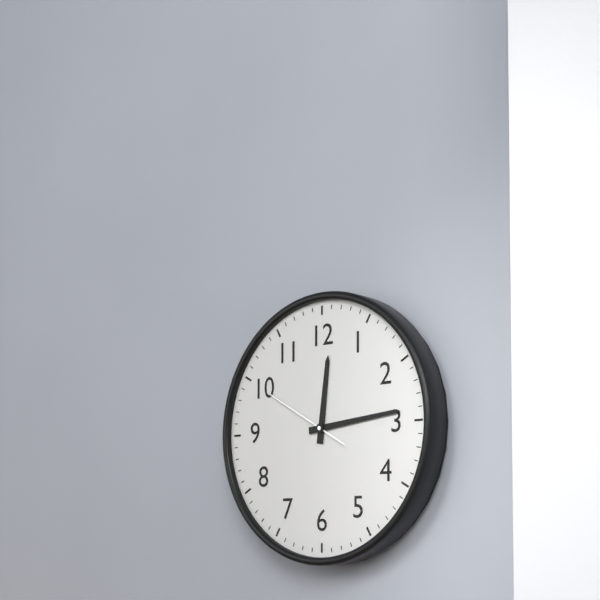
12:14:50
